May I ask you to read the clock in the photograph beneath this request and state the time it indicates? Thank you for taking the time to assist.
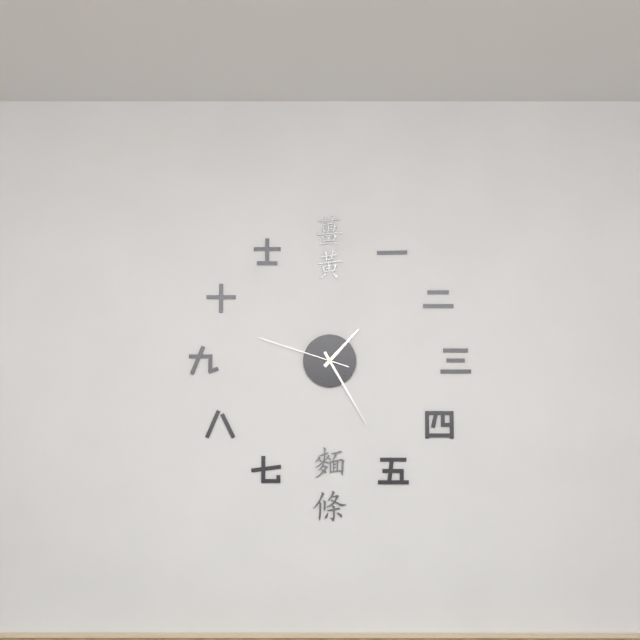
1:25:48
